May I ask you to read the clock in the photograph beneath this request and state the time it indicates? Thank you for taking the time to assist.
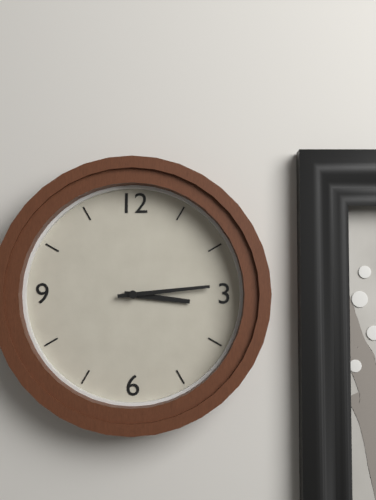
3:14
